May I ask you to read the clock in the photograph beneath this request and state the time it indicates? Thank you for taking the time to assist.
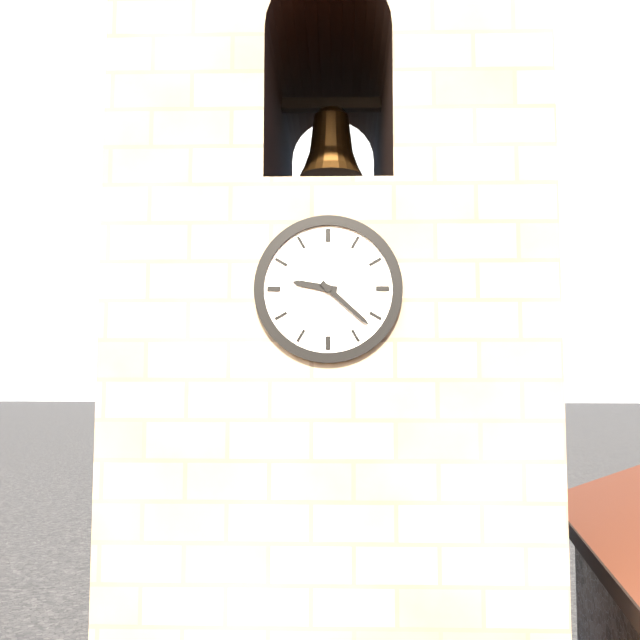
9:22
